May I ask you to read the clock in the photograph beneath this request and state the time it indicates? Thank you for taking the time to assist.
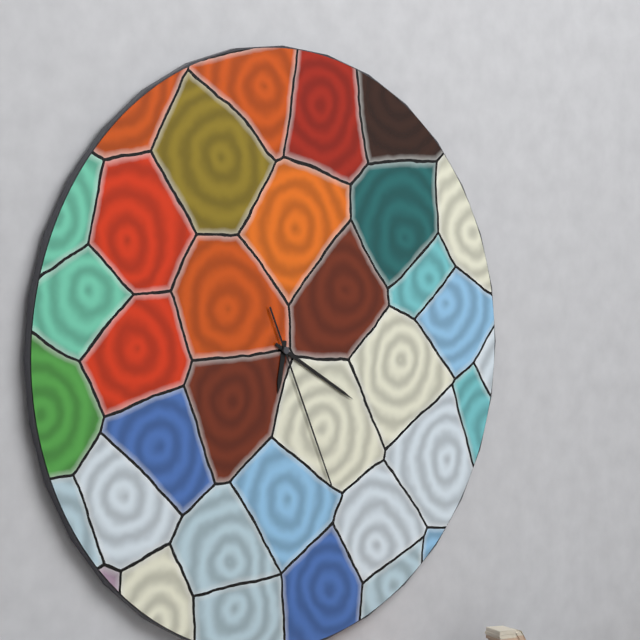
6:20:26
